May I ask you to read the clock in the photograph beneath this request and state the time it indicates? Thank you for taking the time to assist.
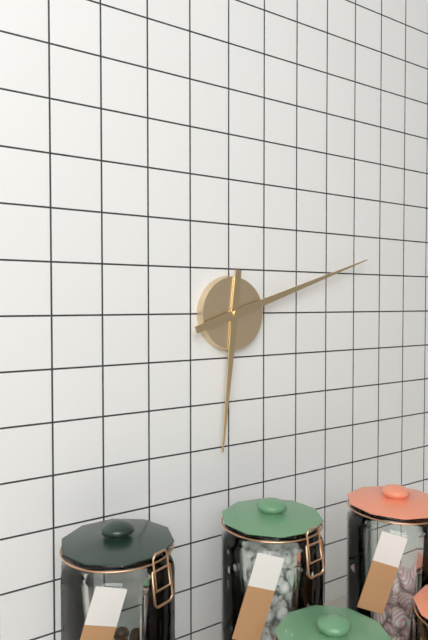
6:12
